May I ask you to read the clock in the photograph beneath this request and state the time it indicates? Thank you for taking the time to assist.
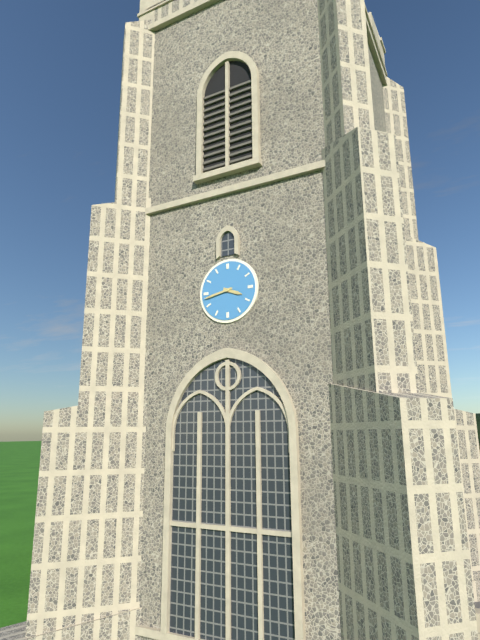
3:43
